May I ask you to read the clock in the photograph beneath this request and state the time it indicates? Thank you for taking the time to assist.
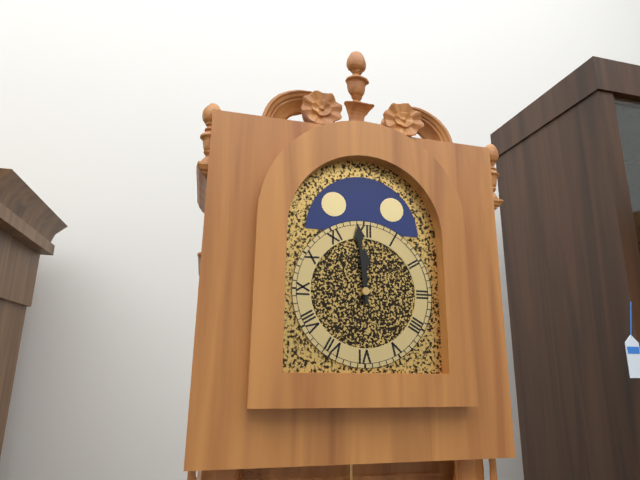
11:59
